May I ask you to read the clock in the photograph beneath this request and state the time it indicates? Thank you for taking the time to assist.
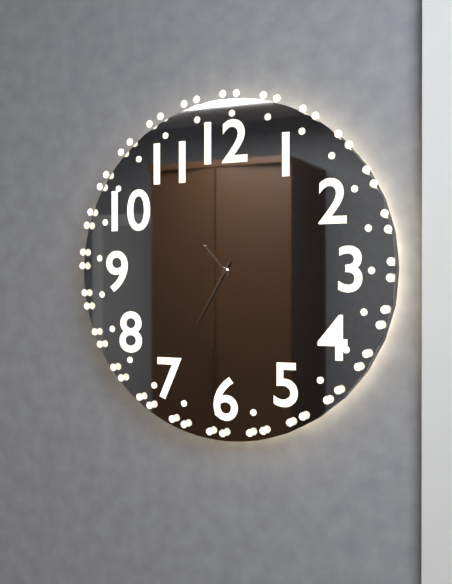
10:35
